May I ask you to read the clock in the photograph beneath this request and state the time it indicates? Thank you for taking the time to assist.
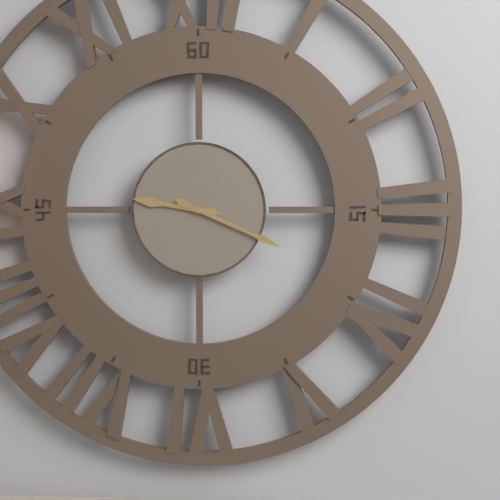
9:19
